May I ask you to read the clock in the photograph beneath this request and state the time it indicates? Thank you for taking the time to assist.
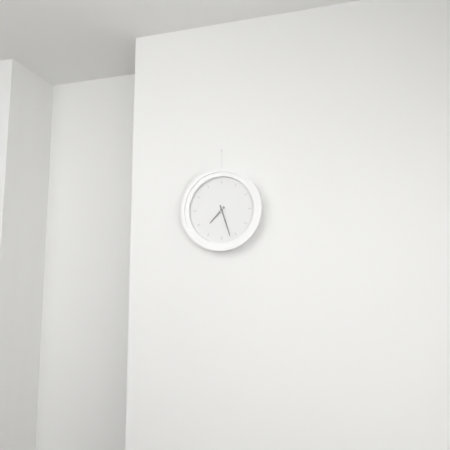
7:27
